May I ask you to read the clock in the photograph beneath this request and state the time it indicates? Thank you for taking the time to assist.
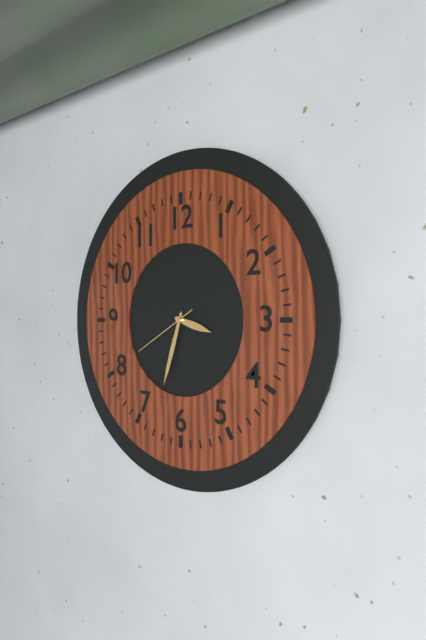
3:33:40
